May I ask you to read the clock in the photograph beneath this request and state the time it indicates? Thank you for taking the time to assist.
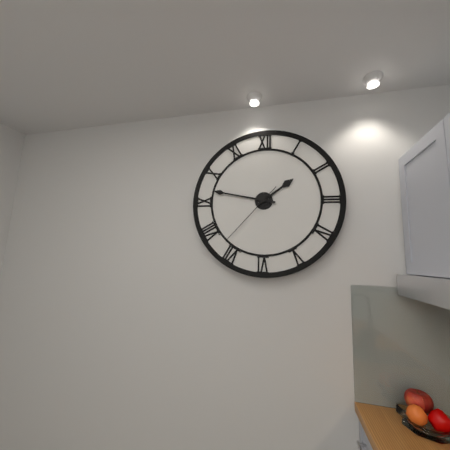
1:47:37
